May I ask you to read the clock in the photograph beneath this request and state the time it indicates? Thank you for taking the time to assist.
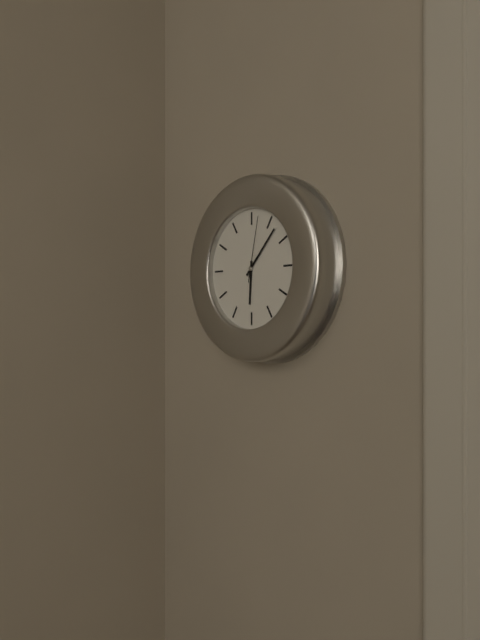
6:07:02
